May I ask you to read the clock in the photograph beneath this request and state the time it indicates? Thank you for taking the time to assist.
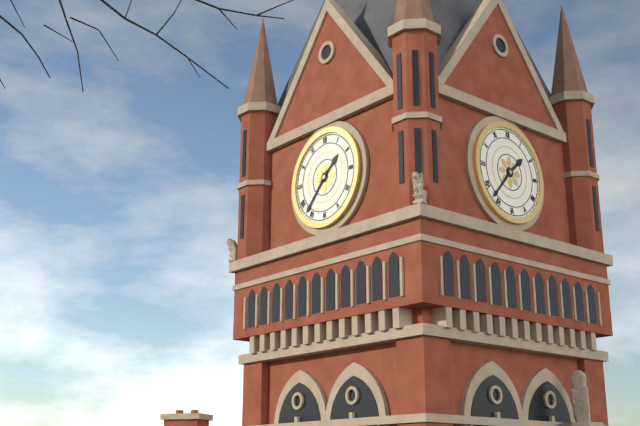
1:37
